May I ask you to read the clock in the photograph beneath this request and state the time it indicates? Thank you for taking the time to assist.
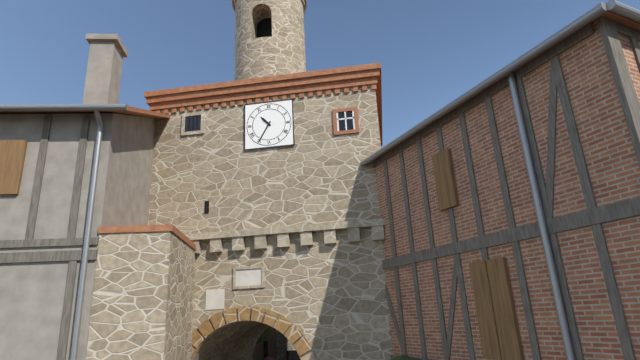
10:35
